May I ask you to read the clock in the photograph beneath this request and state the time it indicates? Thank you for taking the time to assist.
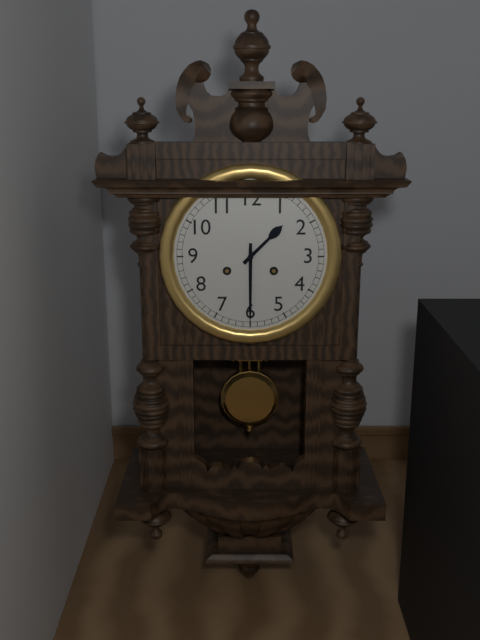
1:30
